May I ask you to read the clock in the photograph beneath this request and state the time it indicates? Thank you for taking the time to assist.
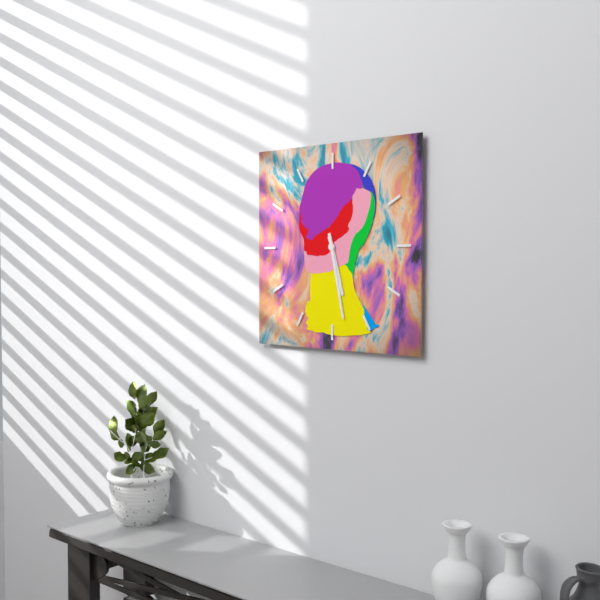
5:28
